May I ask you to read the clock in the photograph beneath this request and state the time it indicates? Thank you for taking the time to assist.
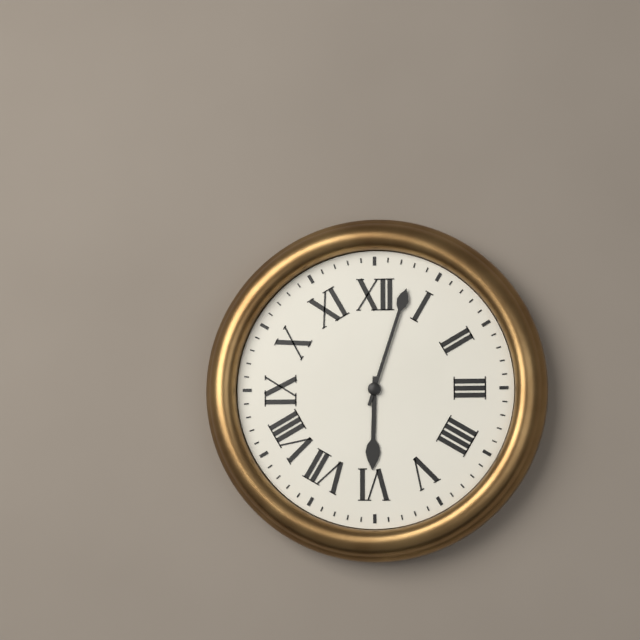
6:03
